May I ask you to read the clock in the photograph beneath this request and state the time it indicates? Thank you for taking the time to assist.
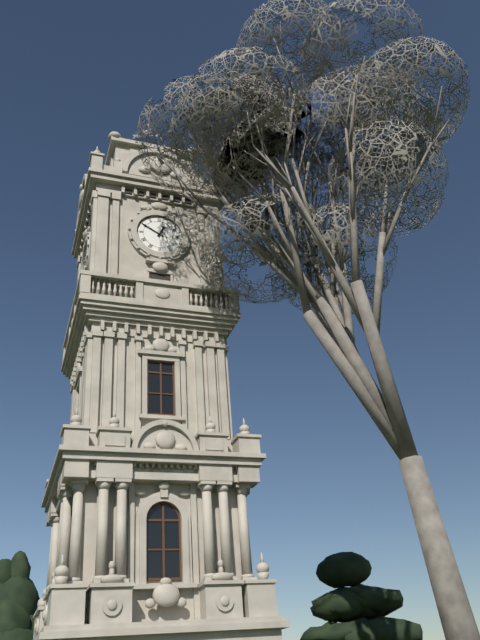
12:50
